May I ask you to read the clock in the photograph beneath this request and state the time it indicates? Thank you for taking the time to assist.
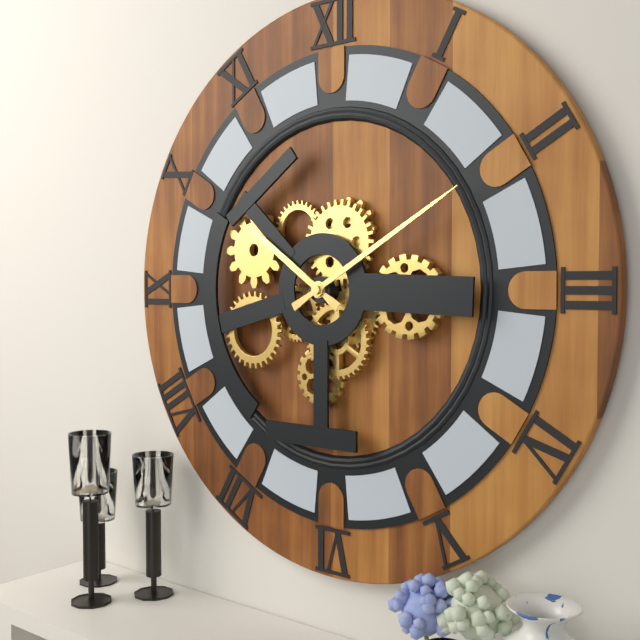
10:10
